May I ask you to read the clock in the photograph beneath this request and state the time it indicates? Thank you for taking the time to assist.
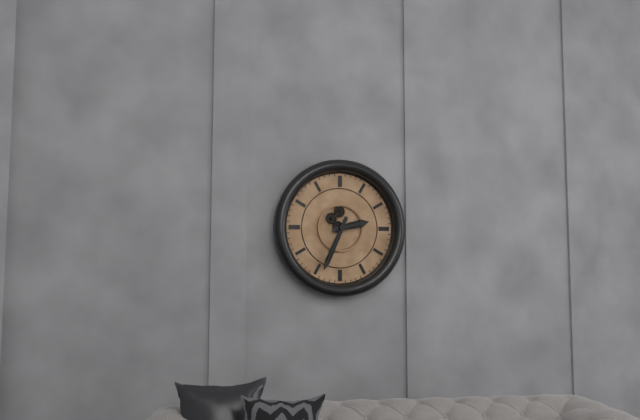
2:34
